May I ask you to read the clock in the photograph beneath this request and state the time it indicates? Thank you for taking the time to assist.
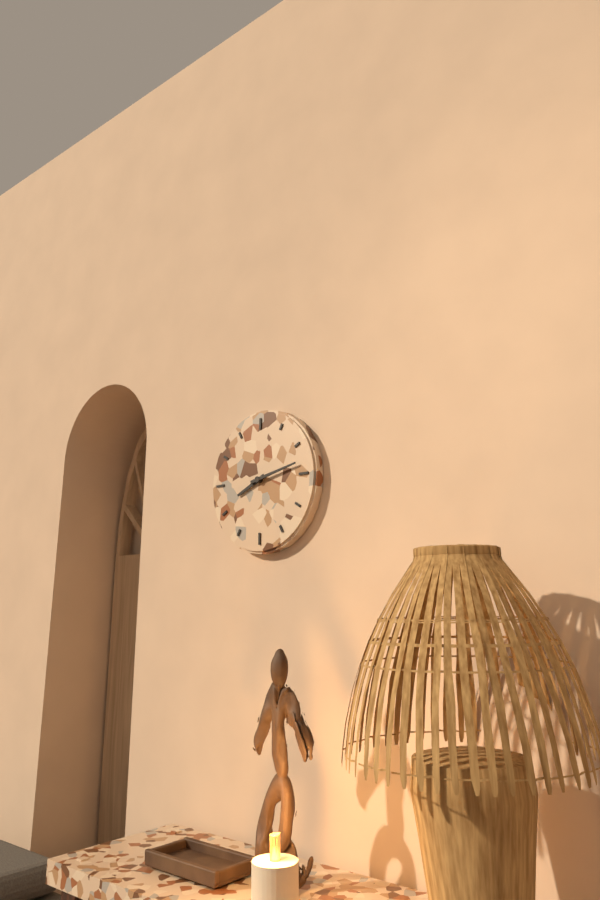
8:13
